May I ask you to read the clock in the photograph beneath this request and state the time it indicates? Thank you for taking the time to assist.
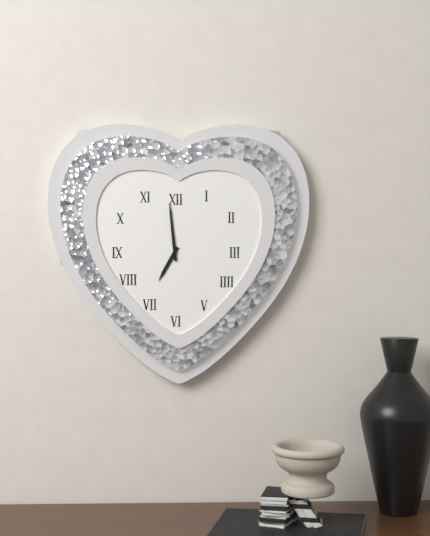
6:59
